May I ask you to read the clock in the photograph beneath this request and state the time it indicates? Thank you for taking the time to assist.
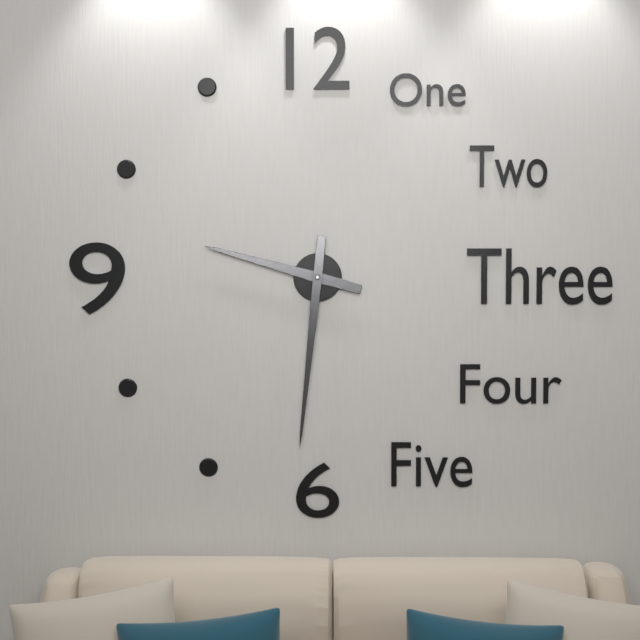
9:31
